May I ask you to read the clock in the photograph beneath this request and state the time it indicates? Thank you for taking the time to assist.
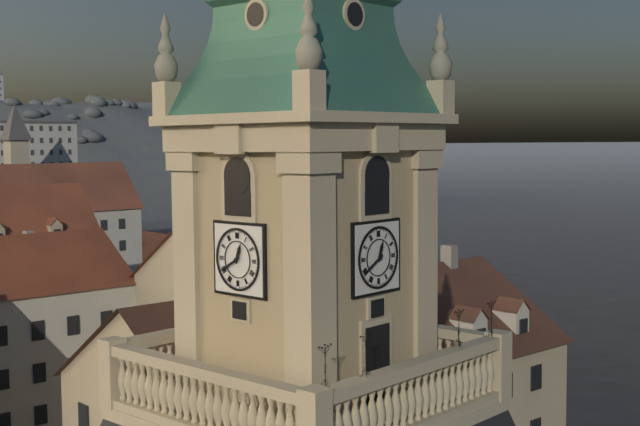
12:40
